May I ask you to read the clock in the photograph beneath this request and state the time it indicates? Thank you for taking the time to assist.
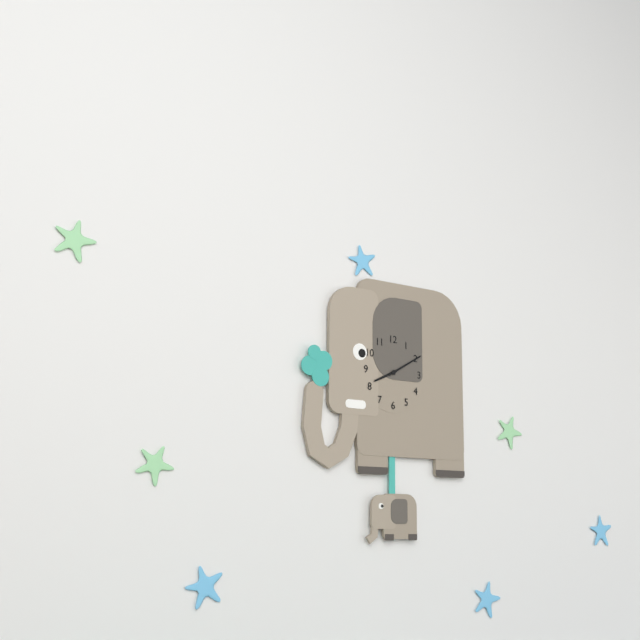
8:10
